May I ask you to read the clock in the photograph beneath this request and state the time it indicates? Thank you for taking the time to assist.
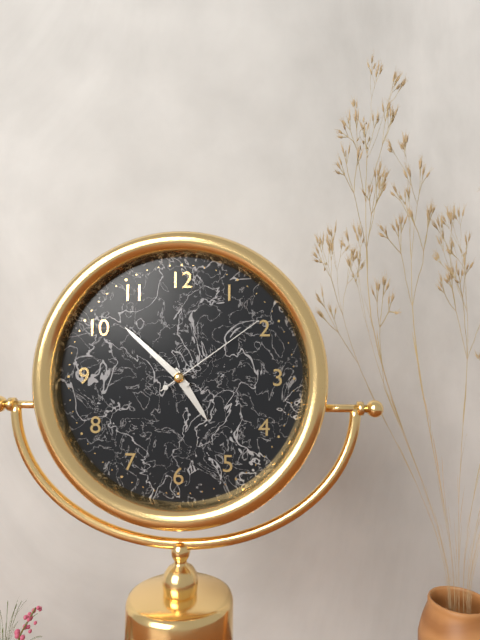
4:52:09
